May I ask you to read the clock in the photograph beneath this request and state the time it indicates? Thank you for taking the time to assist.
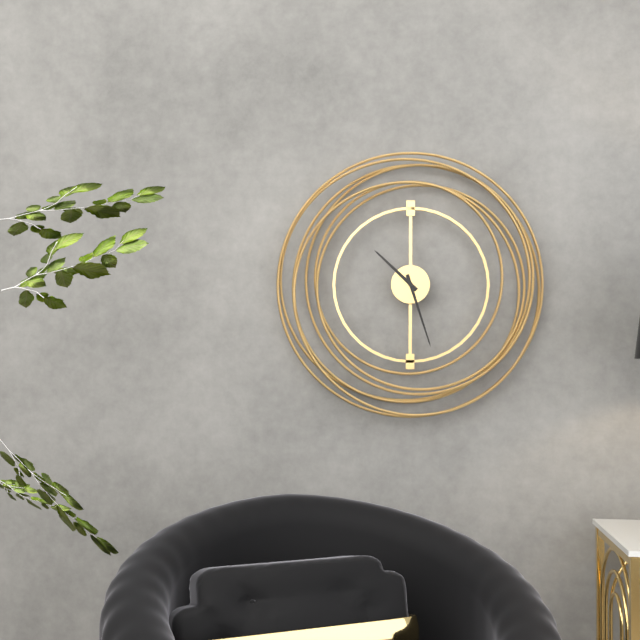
10:27
